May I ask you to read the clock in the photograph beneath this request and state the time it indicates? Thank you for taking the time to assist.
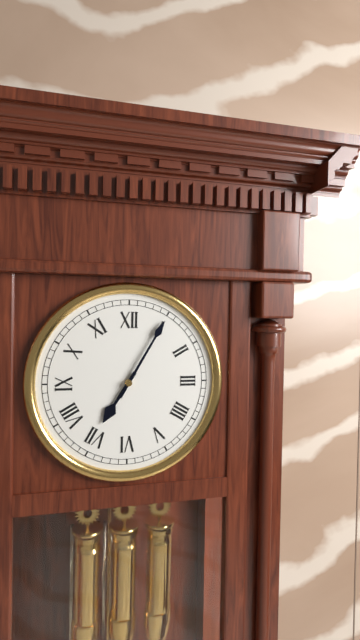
7:05
